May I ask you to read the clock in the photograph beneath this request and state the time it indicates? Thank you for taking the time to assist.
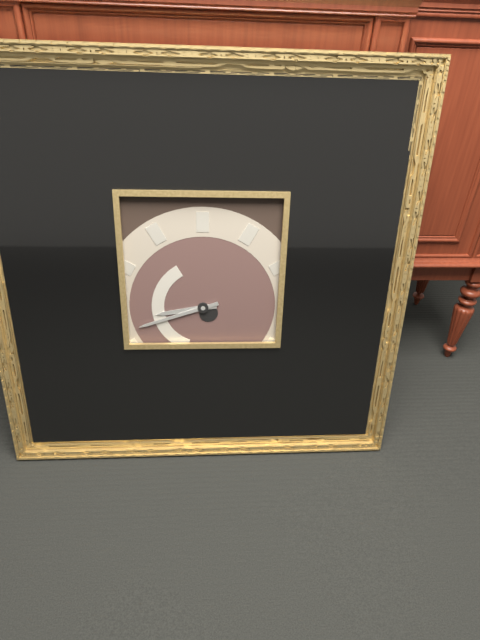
8:42
